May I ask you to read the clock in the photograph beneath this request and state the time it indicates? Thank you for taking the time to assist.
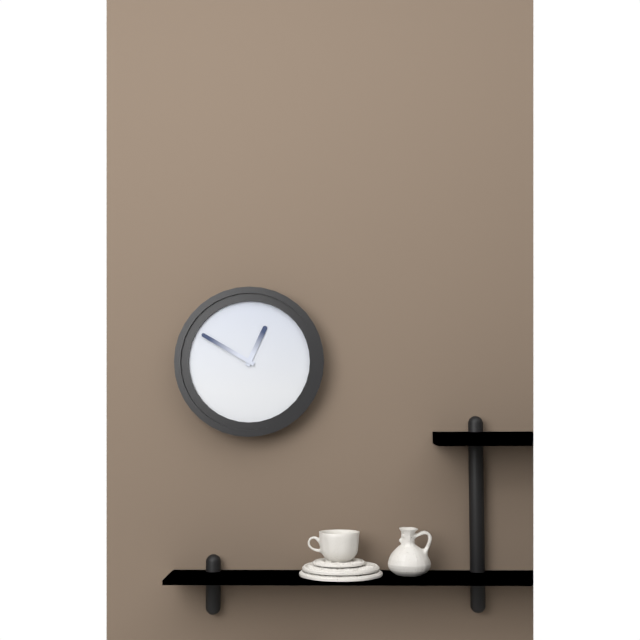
12:50
